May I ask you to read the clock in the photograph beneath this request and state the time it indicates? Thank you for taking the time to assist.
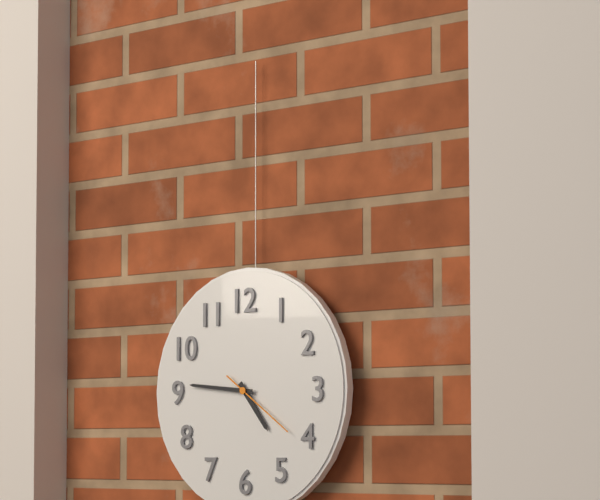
4:46:21
